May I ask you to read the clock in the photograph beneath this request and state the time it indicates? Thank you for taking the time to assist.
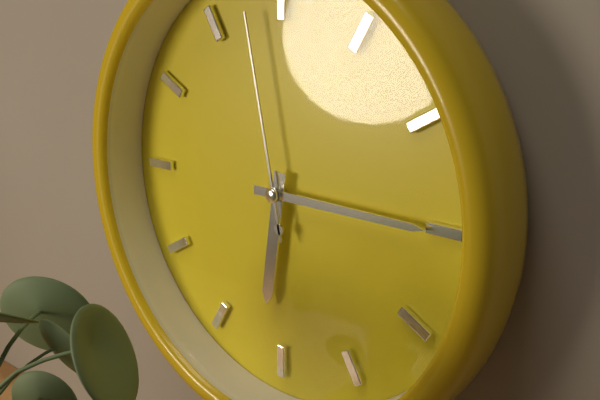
6:15:58
